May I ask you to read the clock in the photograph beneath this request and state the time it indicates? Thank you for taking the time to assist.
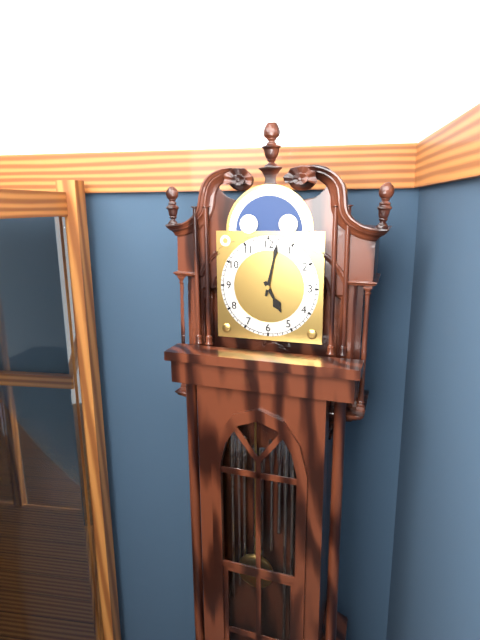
5:02
